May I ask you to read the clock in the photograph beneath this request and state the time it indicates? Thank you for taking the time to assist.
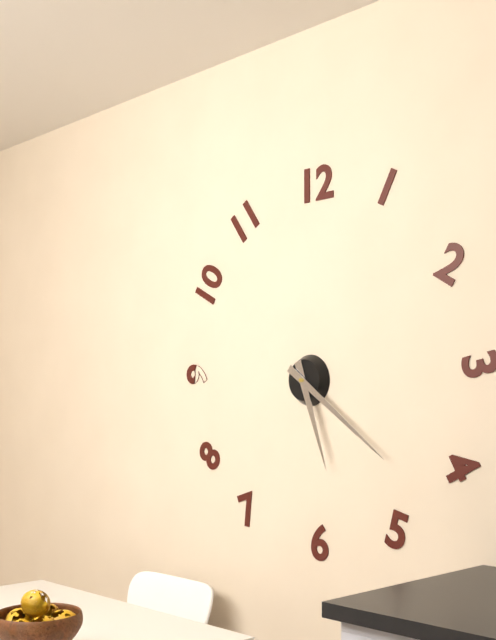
5:21
